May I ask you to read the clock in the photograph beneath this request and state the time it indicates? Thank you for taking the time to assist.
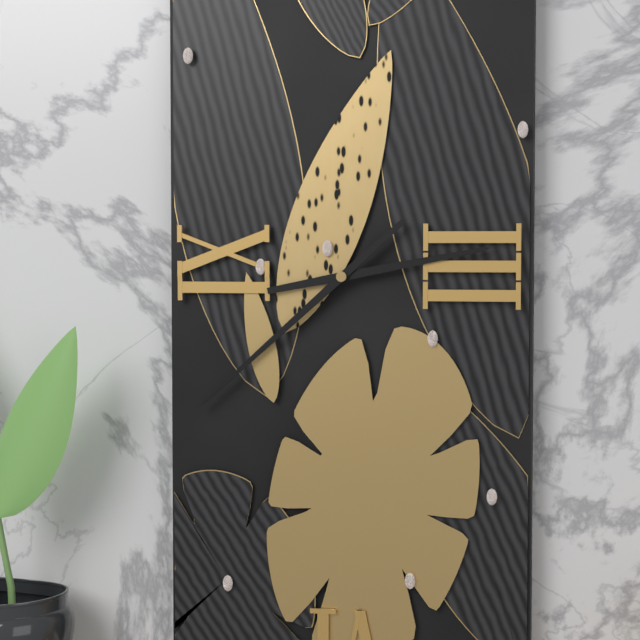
2:38
